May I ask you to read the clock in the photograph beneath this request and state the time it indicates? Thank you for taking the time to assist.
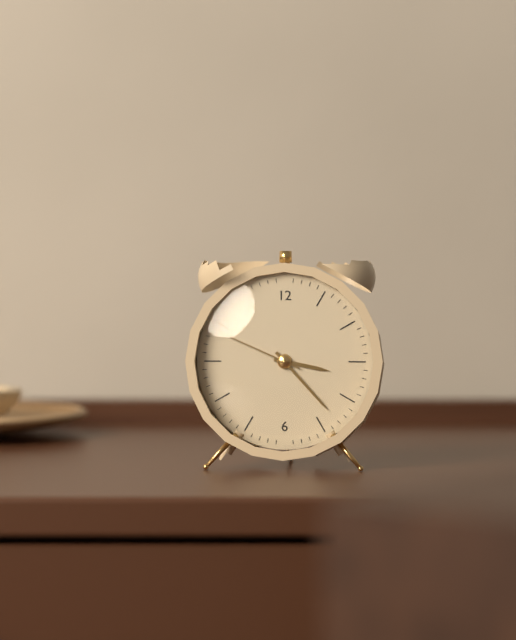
3:23:49
